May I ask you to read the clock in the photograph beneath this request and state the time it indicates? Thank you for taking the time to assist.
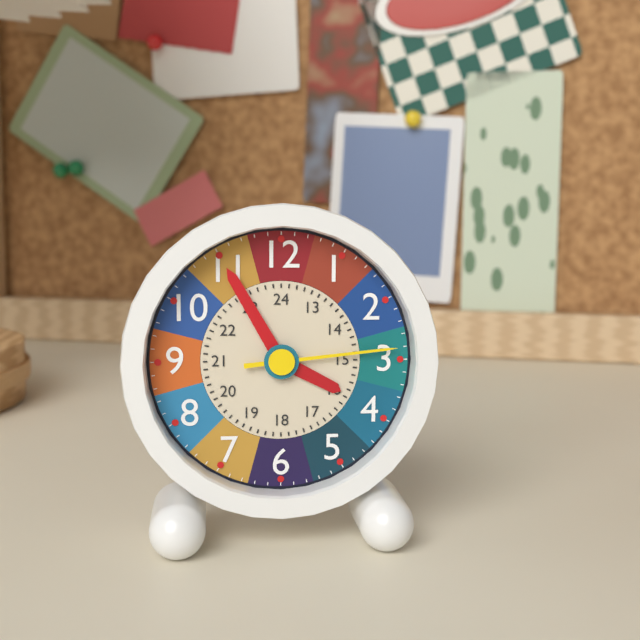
3:55:14
